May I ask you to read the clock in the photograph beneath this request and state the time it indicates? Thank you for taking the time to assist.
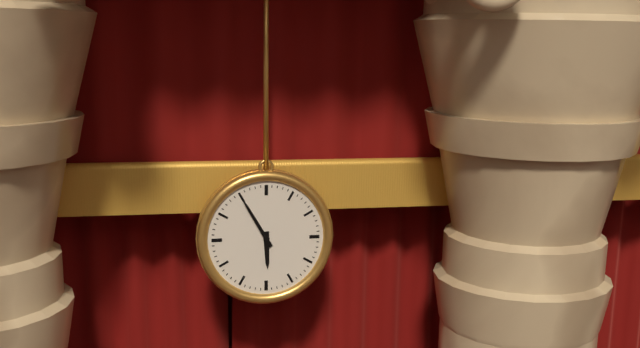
5:55
